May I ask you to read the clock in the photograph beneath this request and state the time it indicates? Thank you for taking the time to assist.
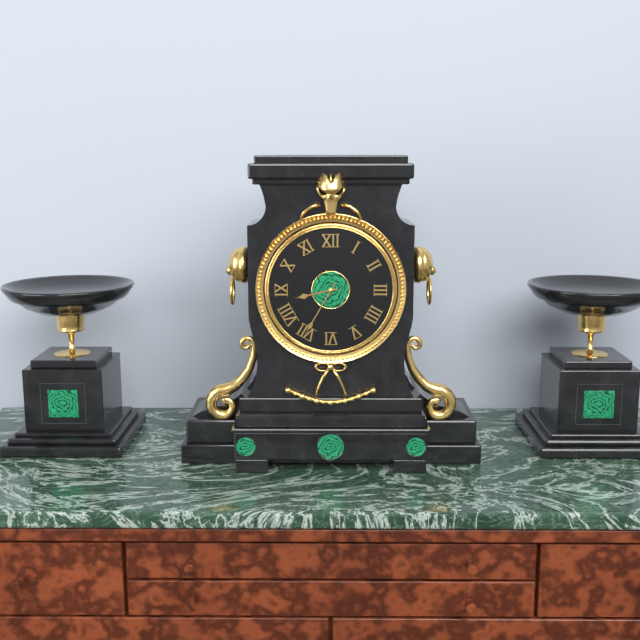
8:35
